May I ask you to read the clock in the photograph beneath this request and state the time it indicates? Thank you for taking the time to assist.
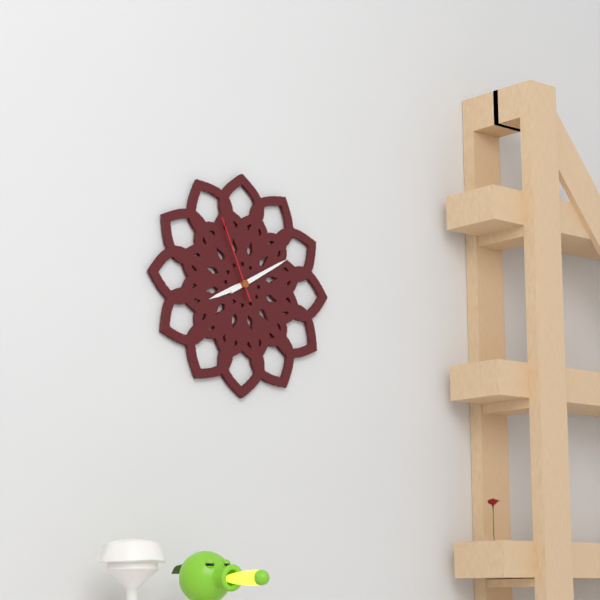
8:10:56
